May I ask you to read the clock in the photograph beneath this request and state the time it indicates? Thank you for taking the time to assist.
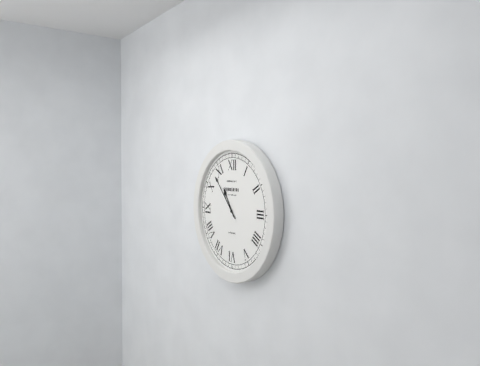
10:53
